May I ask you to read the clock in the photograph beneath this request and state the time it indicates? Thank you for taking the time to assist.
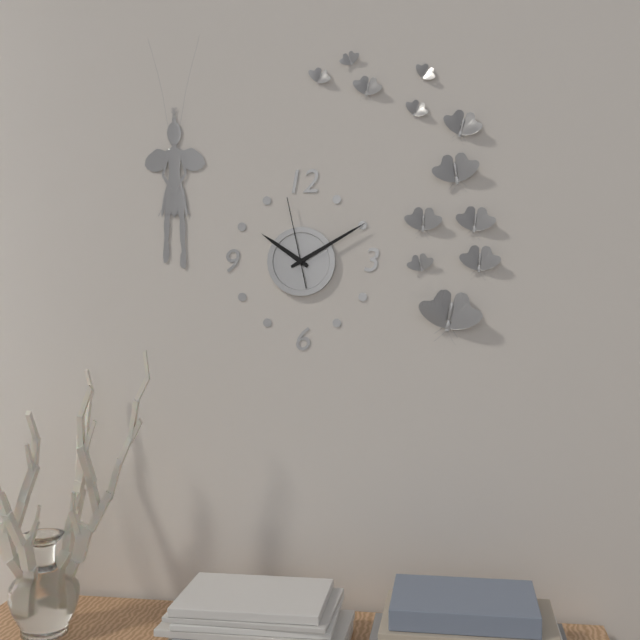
10:10:58
